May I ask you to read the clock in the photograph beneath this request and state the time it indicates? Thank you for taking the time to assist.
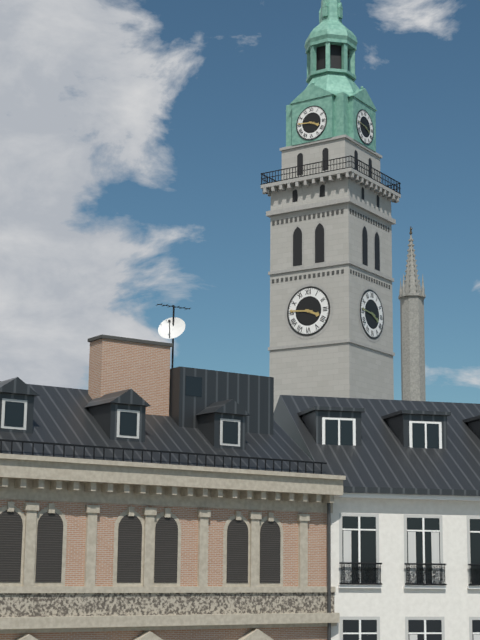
3:46
